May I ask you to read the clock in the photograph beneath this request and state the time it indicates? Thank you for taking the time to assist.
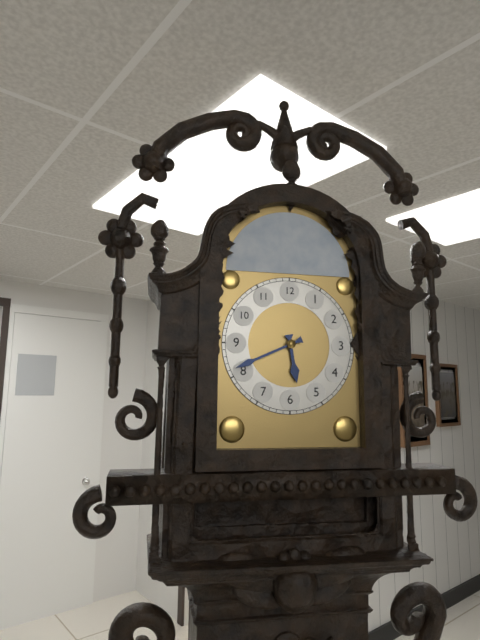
5:41
